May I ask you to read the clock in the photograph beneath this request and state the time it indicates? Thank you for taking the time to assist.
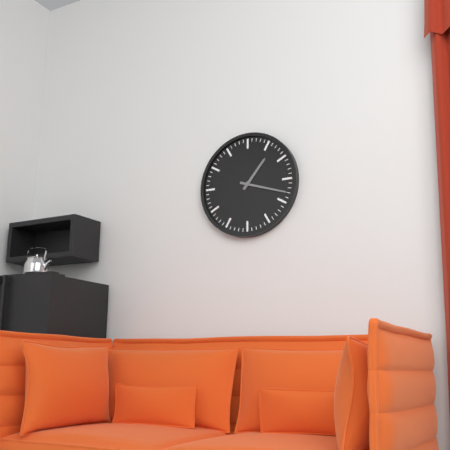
1:18
